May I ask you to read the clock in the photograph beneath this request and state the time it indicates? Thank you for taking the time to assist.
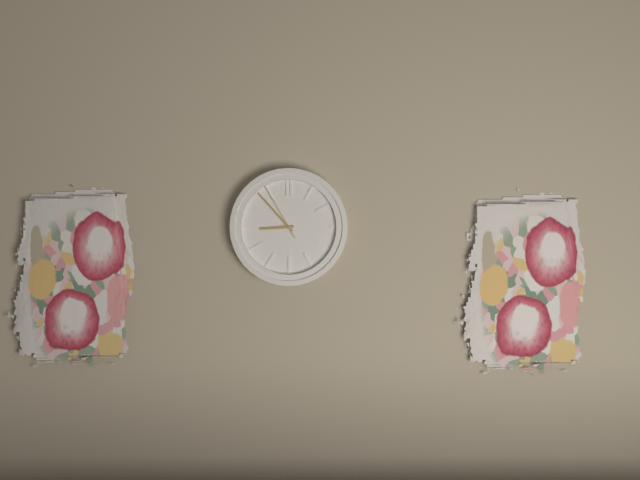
8:53:55
